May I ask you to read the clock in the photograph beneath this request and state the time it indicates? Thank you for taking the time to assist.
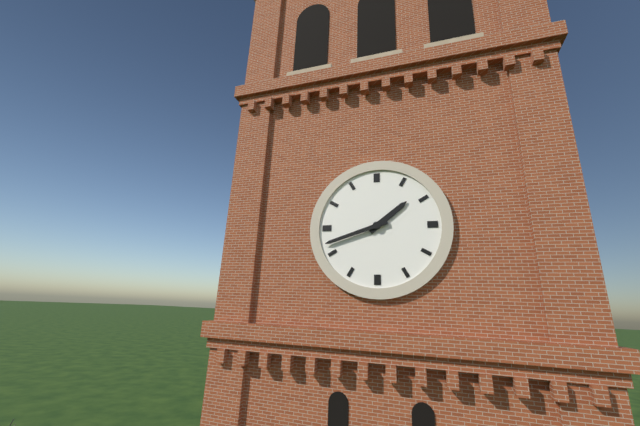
1:42
